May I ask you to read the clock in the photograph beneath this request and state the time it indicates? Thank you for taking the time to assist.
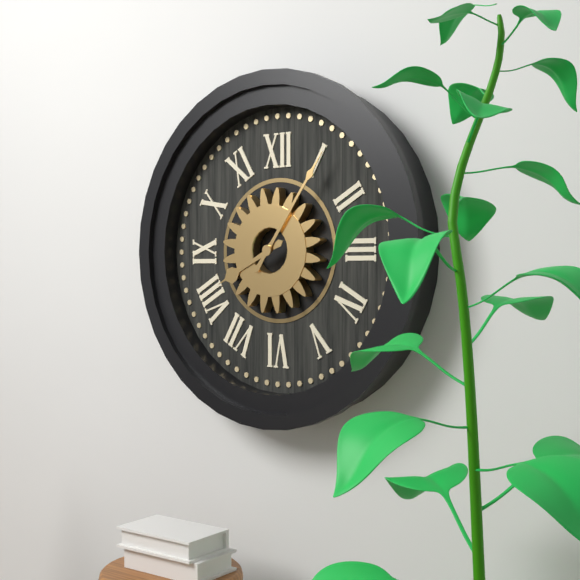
8:06
